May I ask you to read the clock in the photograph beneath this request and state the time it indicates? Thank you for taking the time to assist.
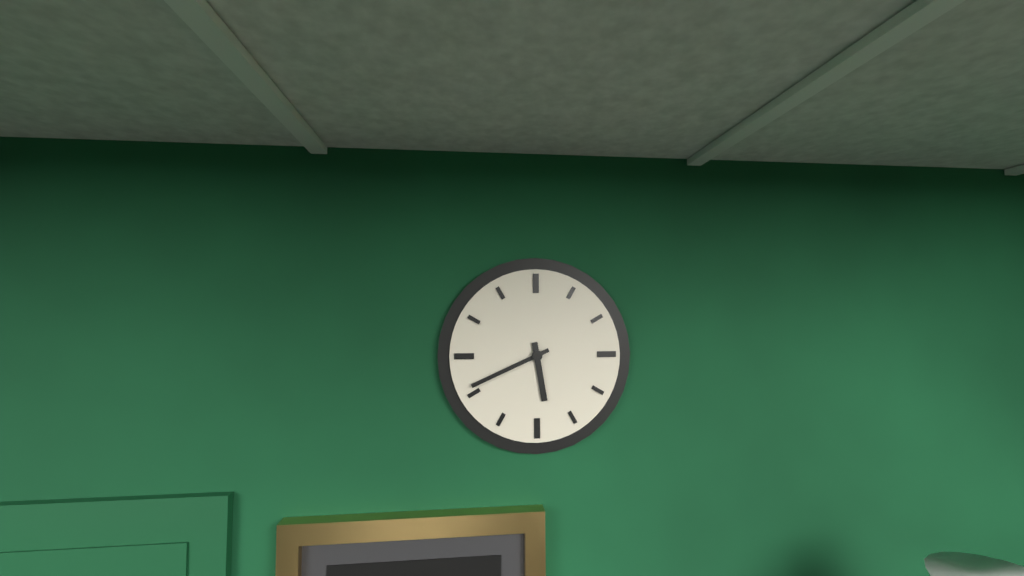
5:41
